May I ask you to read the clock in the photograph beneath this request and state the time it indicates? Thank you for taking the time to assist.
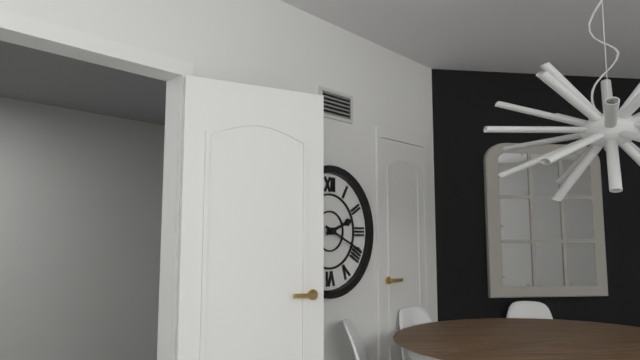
2:19
